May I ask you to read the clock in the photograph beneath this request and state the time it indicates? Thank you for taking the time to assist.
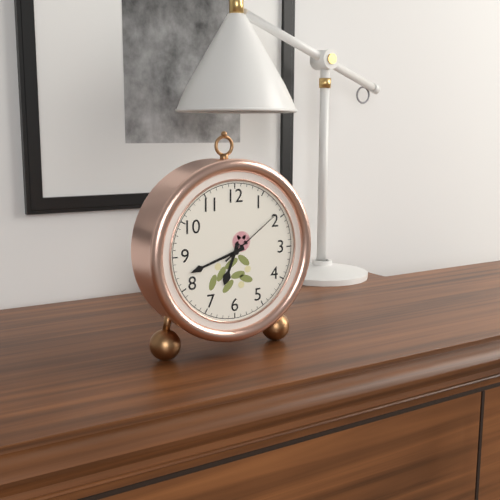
6:42:09
